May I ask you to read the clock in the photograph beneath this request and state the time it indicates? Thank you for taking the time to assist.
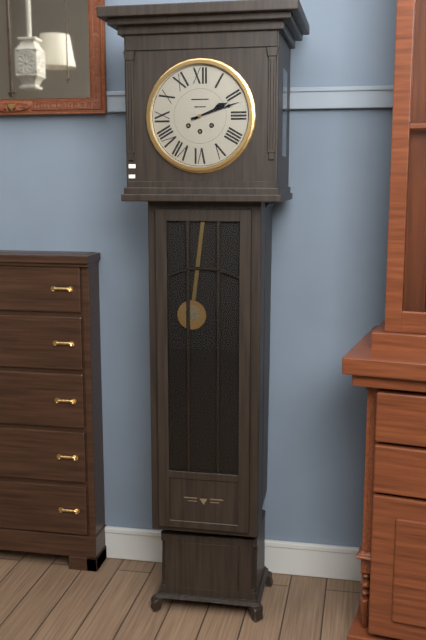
2:12
